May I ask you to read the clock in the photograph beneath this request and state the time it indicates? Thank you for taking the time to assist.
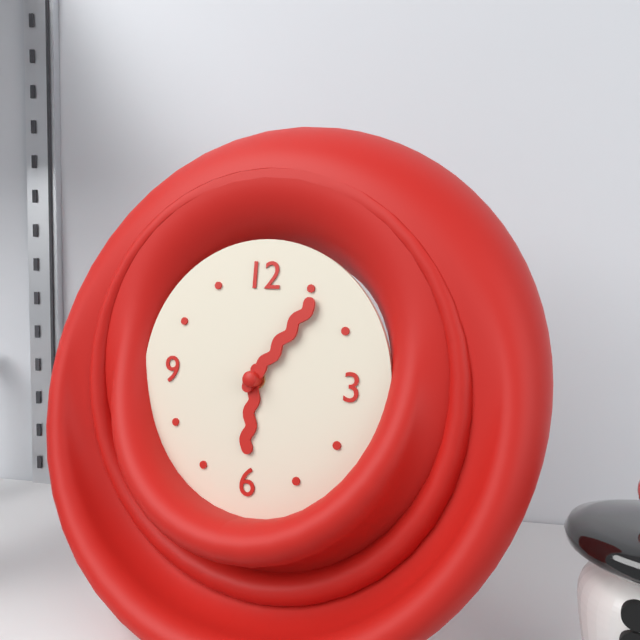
6:06
